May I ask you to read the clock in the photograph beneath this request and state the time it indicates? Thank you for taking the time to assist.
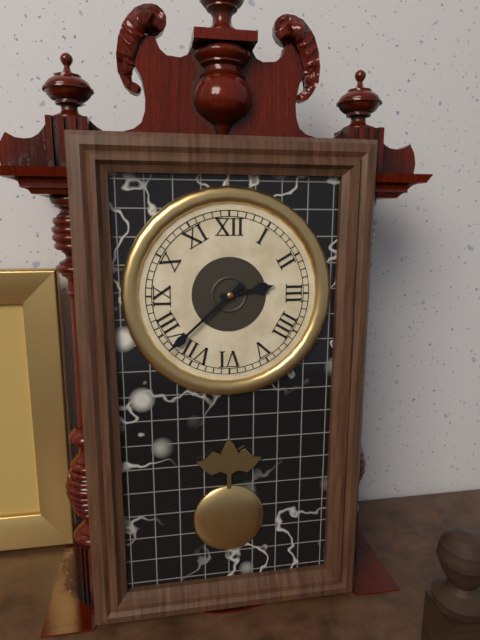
2:38
